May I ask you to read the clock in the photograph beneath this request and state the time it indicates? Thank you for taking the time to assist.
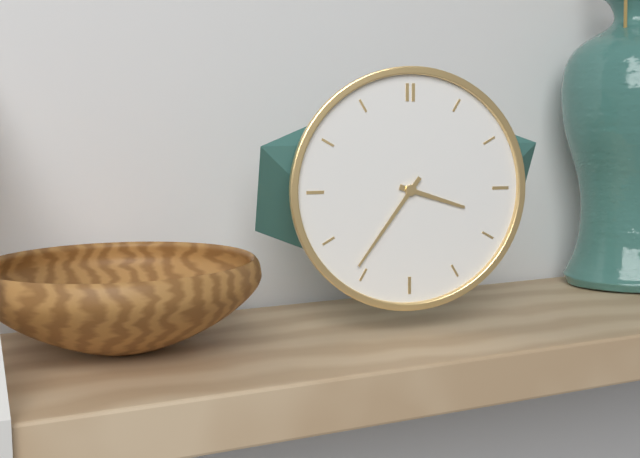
3:36
